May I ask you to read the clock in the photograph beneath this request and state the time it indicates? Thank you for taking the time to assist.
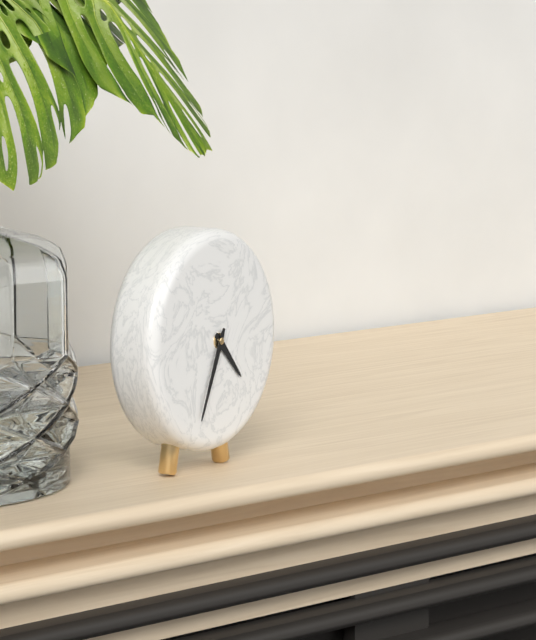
4:34
